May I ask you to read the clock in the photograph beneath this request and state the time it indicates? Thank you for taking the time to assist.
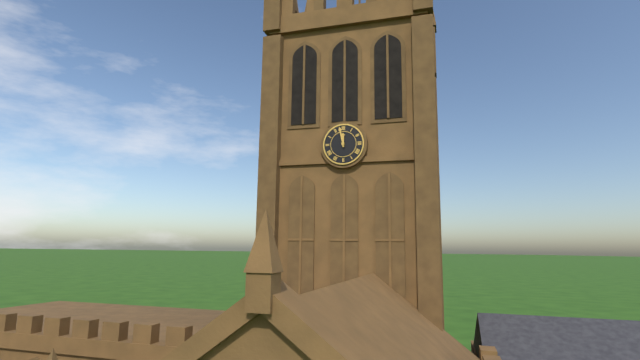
11:58
